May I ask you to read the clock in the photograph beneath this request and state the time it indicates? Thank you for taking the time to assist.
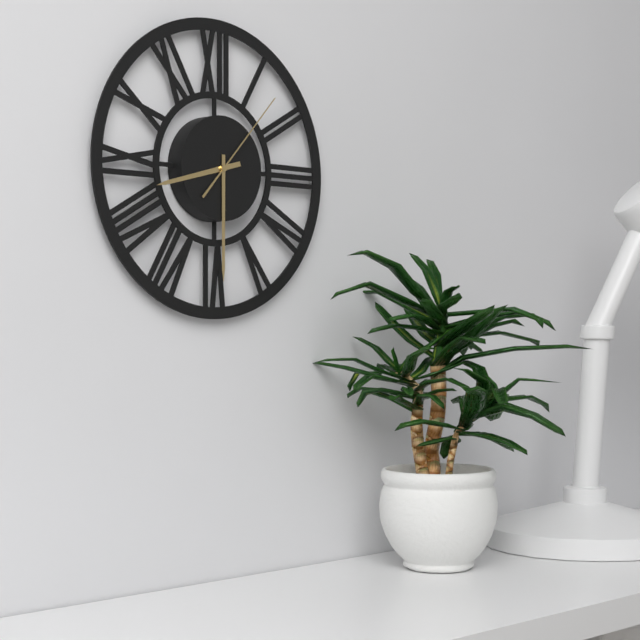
8:30:07
